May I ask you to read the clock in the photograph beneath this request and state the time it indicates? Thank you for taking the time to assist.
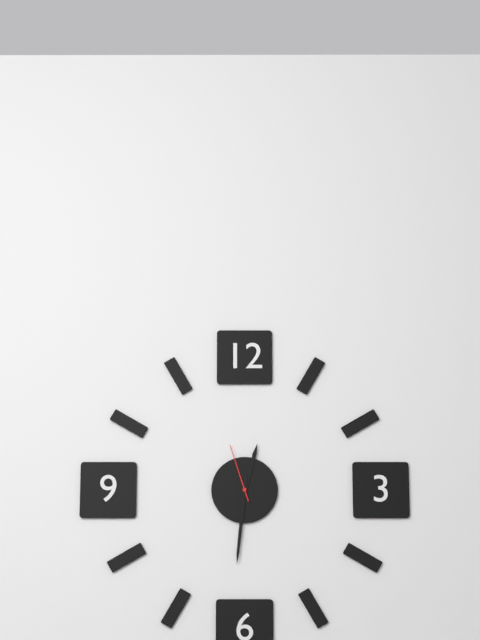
12:31:57
